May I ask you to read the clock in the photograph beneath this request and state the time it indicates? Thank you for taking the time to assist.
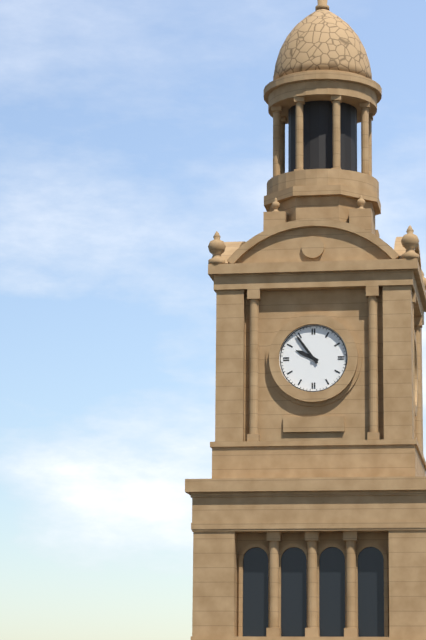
9:54
